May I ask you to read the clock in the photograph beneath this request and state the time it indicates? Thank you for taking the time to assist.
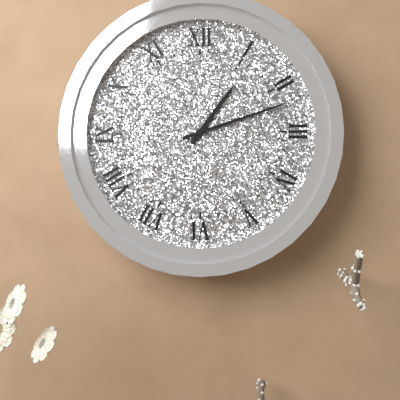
1:12
